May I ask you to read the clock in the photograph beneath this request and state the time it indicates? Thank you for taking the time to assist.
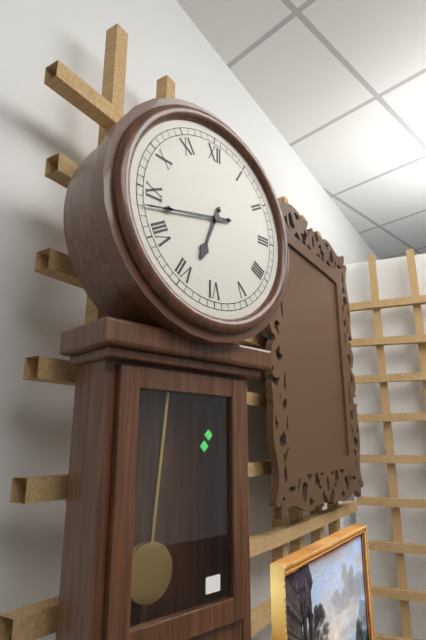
6:43
